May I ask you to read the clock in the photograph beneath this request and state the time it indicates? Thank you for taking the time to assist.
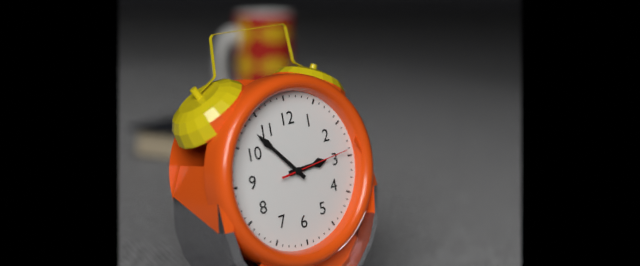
2:53:14
